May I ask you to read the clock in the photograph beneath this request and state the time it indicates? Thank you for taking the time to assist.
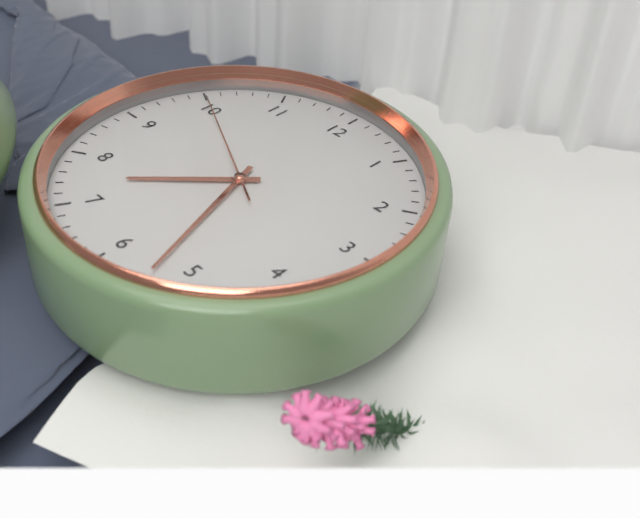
7:27:50
